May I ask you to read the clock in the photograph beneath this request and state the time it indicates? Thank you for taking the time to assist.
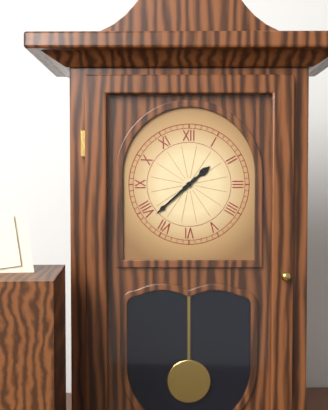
1:38
